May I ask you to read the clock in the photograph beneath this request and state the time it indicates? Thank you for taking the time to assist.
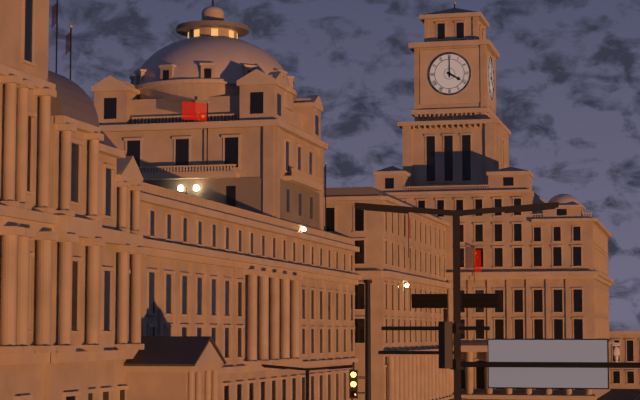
4:00
